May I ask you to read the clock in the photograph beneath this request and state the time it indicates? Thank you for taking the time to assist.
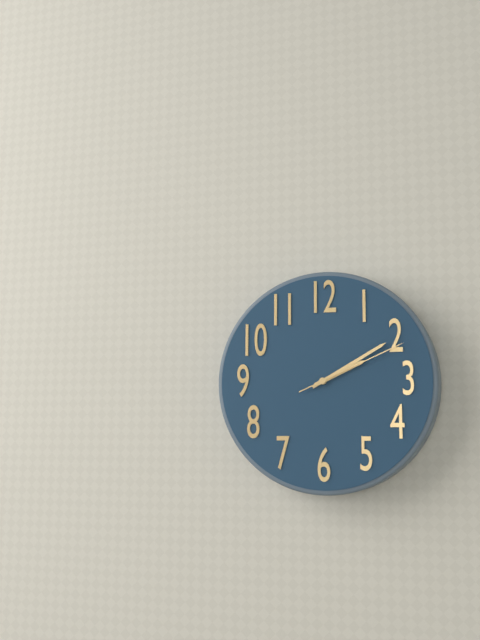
2:10:11
